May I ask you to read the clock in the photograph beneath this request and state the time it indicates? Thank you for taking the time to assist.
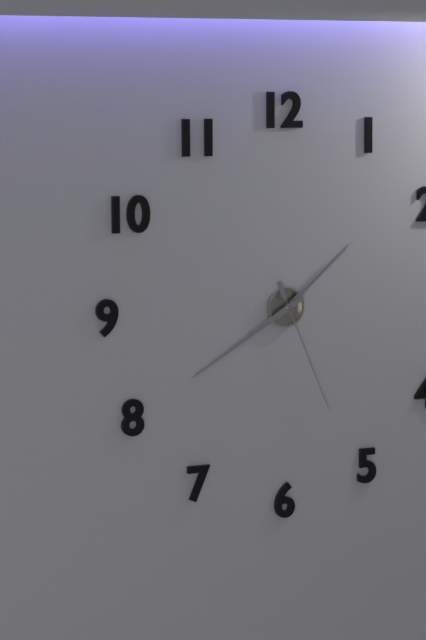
1:40:26
